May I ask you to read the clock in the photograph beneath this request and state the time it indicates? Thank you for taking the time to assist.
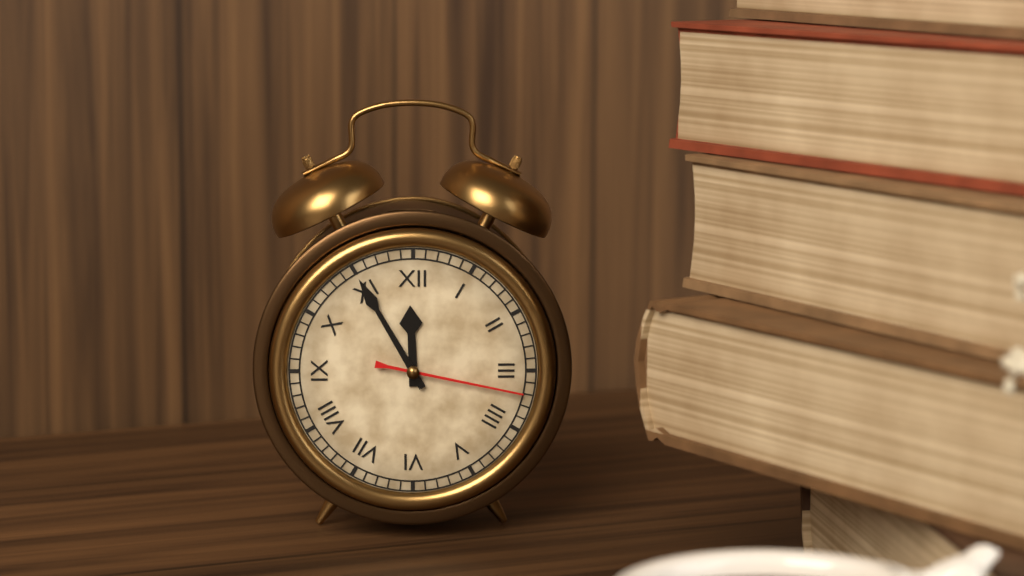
11:55:17
